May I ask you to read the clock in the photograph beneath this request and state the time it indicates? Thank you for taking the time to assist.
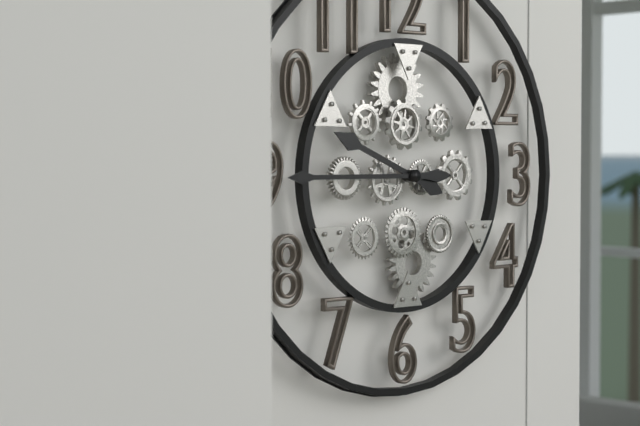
9:45
